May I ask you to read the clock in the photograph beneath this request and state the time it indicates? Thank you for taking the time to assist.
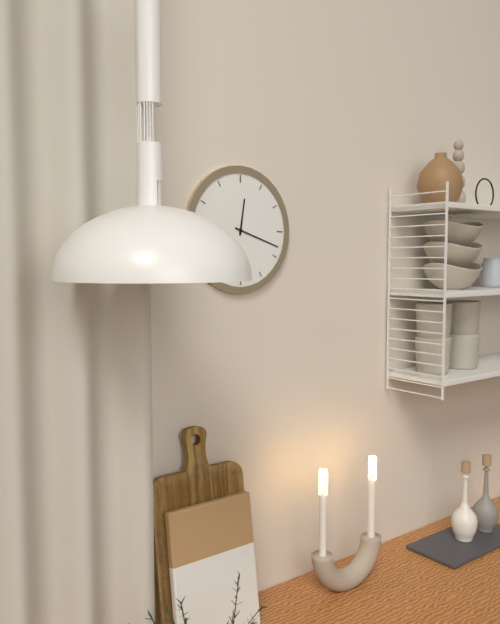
12:18
